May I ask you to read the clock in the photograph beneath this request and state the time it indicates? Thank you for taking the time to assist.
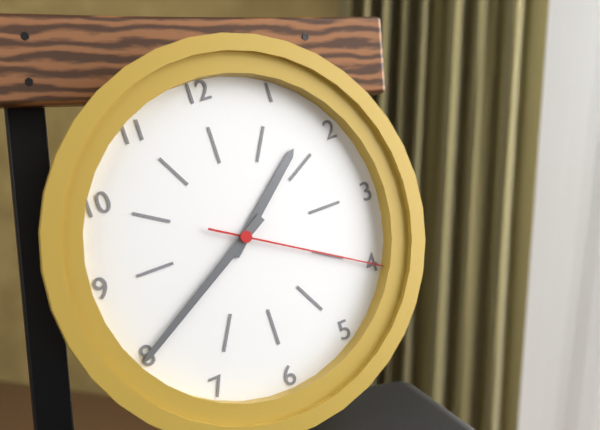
1:40:20
